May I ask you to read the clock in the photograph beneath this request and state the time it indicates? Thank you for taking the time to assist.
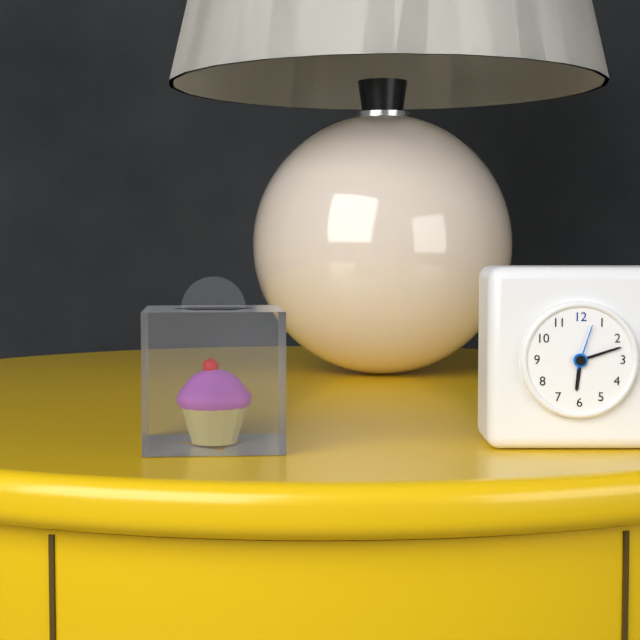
6:12
